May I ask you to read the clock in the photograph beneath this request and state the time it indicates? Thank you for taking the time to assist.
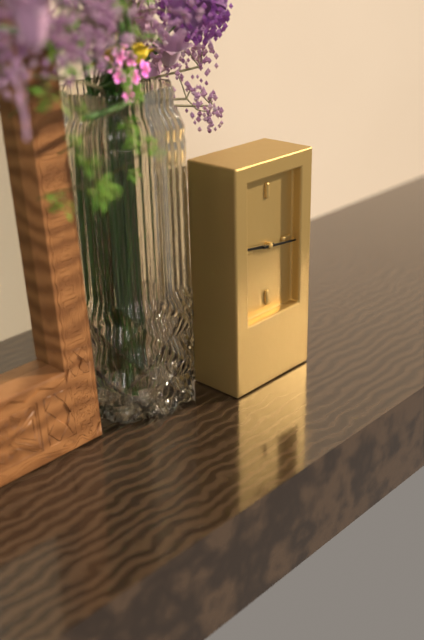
9:16
